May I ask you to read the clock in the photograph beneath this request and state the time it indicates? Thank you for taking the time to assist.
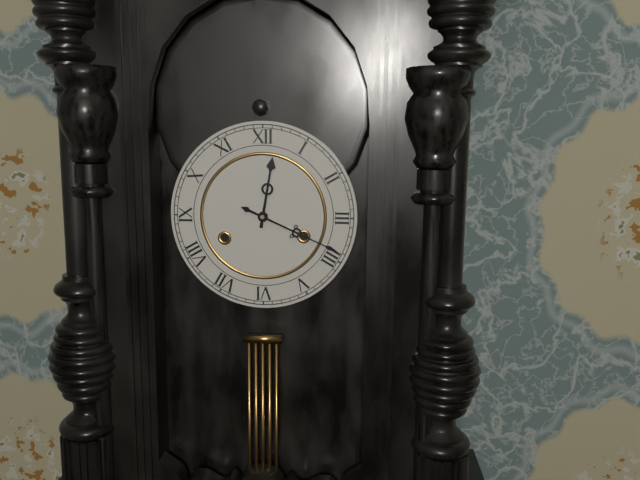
12:19
